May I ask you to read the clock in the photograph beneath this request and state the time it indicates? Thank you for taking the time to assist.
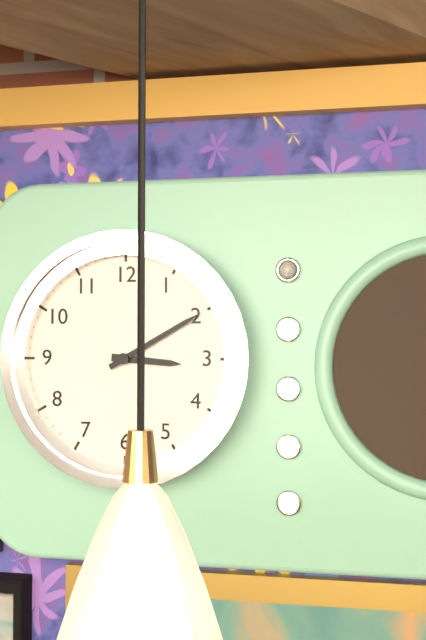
3:10
